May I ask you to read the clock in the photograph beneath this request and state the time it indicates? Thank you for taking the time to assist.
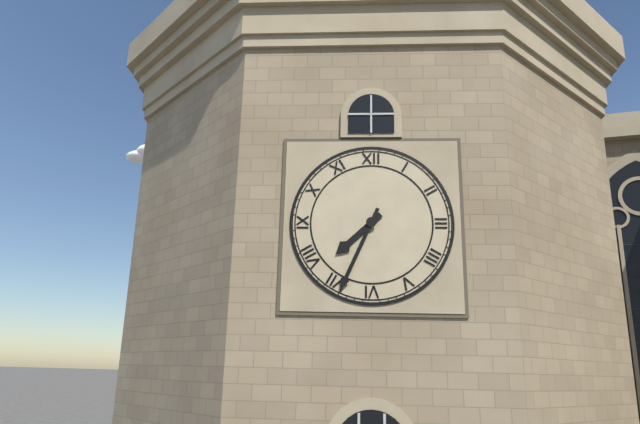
7:34
